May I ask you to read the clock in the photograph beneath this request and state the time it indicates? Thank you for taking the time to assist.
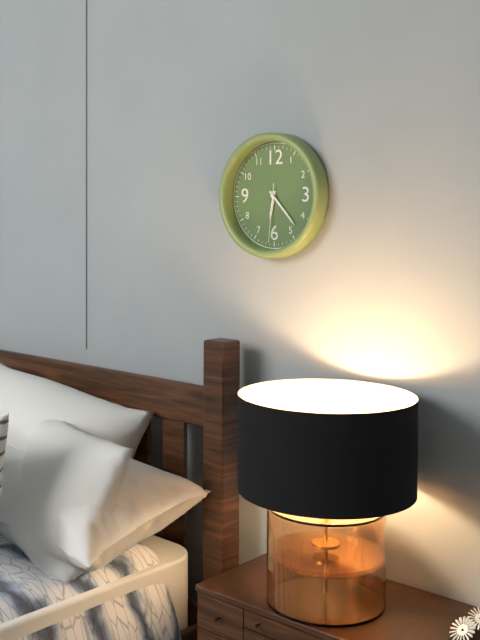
6:23:31
